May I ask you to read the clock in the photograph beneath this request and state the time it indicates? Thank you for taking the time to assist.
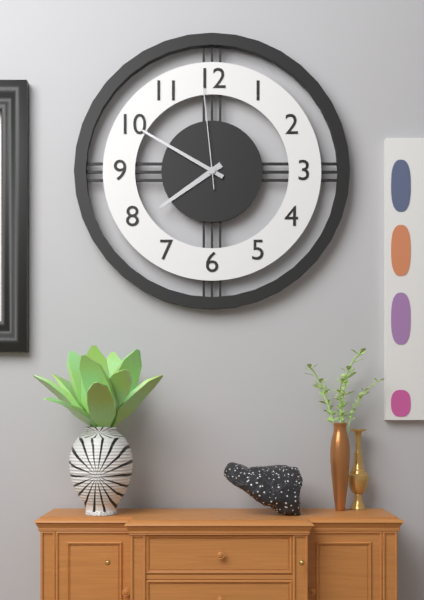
7:50:59
